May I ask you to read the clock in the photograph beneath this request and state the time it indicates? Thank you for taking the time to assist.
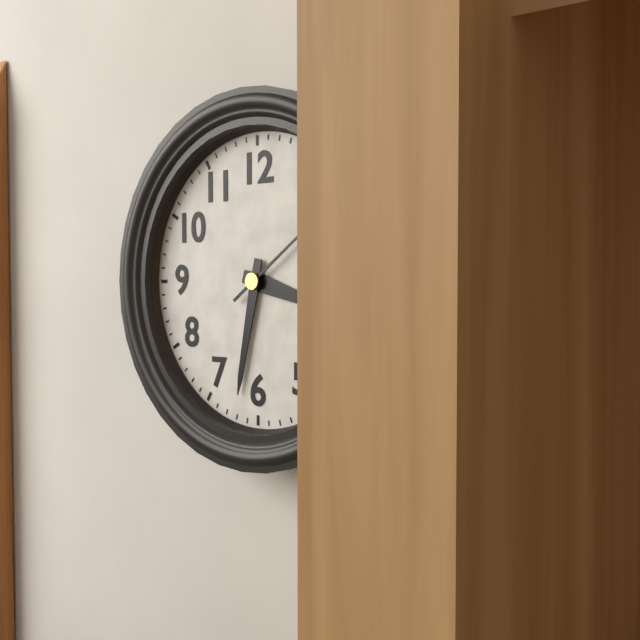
3:32
